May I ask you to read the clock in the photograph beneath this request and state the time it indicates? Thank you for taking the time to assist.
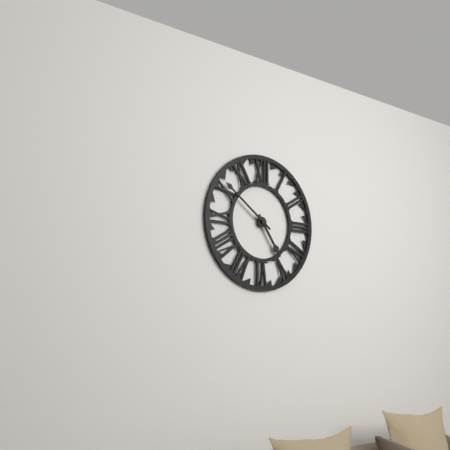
4:51
